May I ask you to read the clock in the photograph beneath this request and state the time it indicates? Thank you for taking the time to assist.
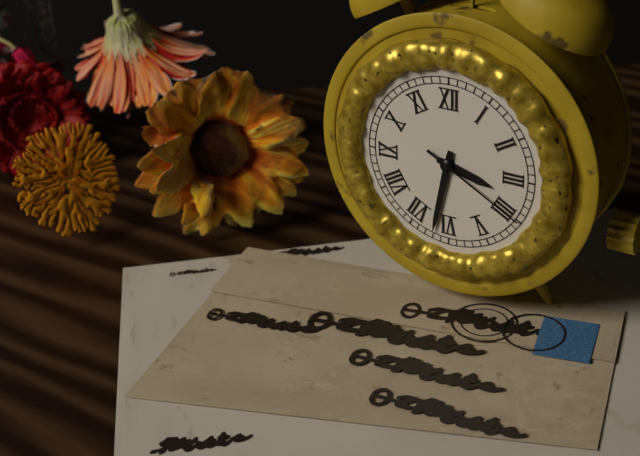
3:32:20
